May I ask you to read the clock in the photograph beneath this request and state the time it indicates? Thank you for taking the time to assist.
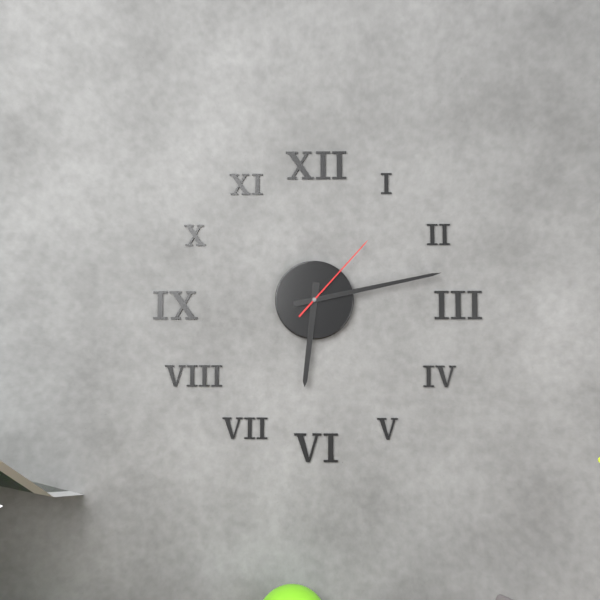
6:13:07
